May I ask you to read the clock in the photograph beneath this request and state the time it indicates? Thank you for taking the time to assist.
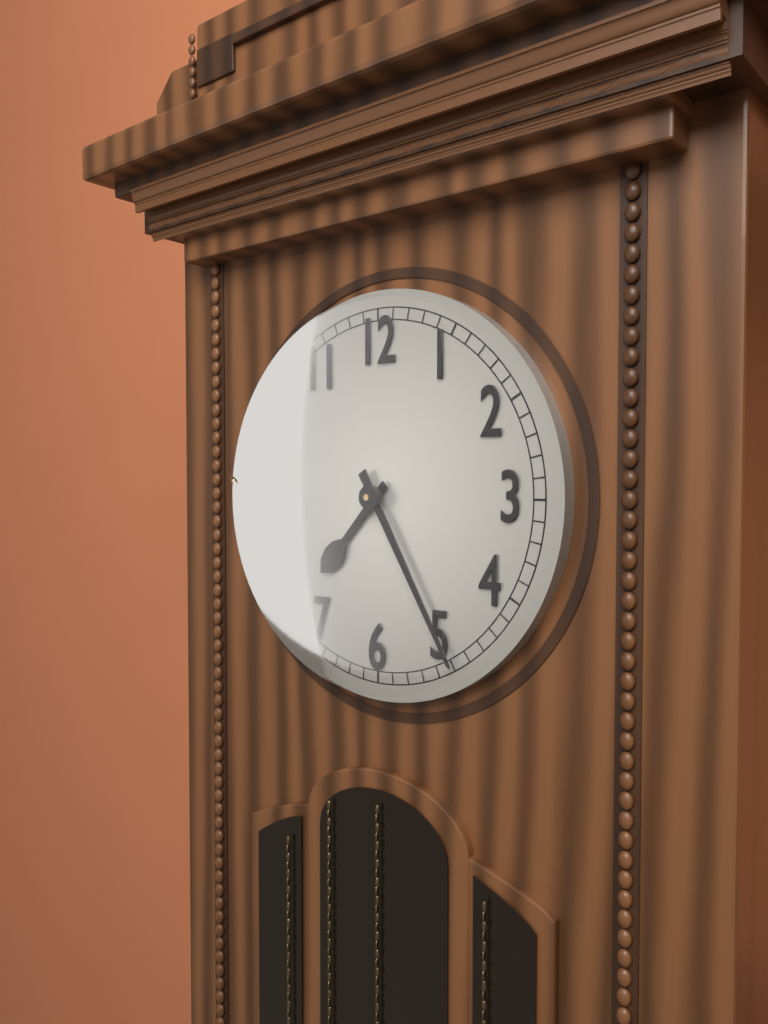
7:25
